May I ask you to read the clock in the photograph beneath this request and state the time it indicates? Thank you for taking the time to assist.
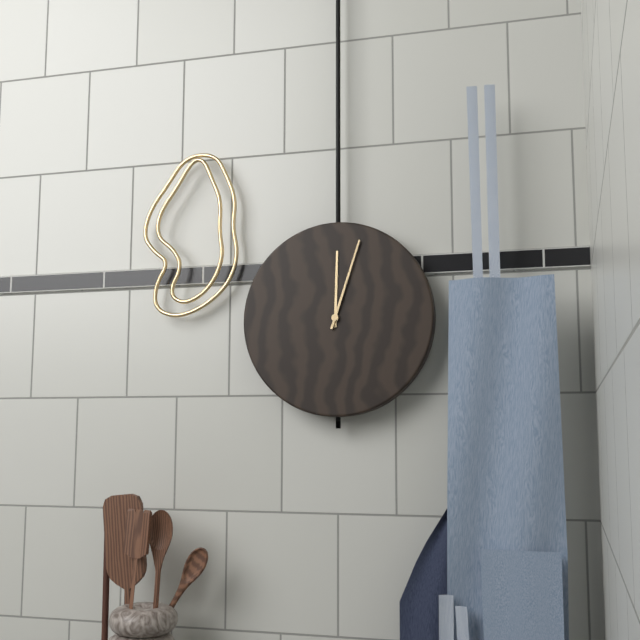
12:03
